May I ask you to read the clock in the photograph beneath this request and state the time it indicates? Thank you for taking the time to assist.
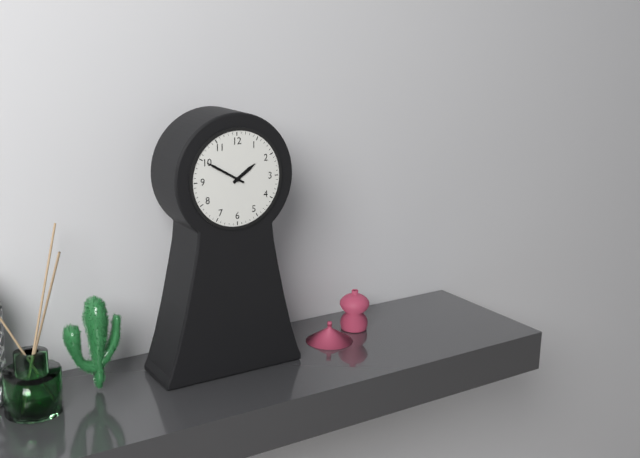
1:50
